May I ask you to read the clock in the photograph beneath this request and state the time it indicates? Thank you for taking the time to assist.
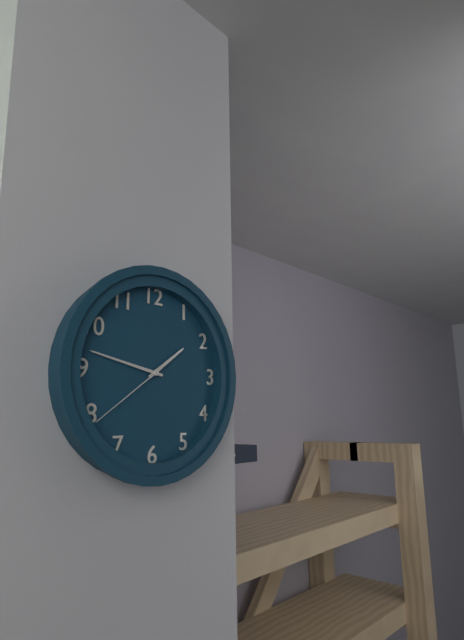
1:47:39
